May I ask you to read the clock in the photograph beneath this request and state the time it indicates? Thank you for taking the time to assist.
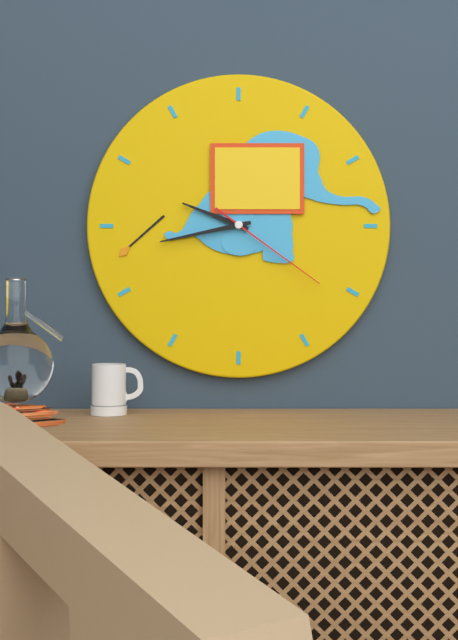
9:43:21
